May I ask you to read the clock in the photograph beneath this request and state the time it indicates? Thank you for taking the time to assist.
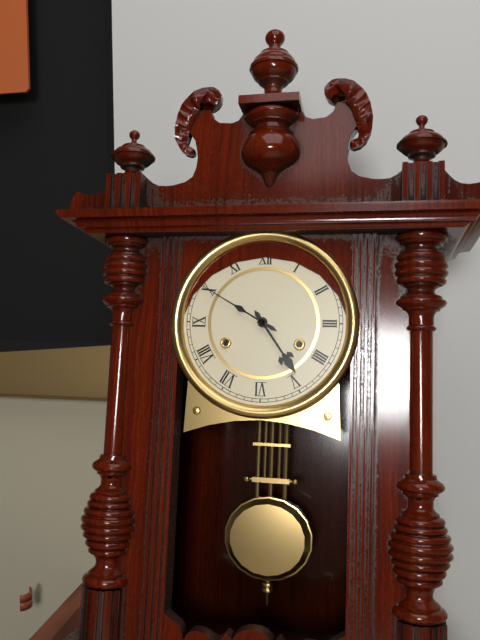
4:50
